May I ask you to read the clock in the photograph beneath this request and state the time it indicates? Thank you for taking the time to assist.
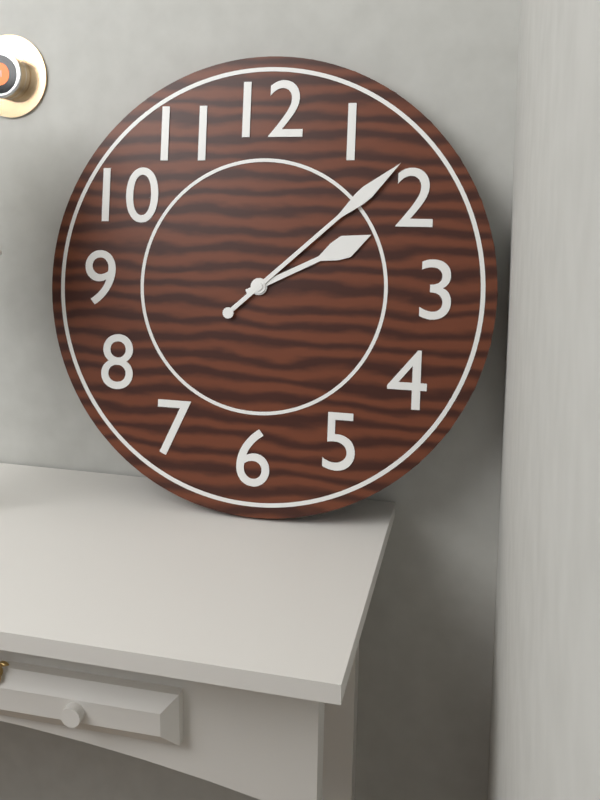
2:08
